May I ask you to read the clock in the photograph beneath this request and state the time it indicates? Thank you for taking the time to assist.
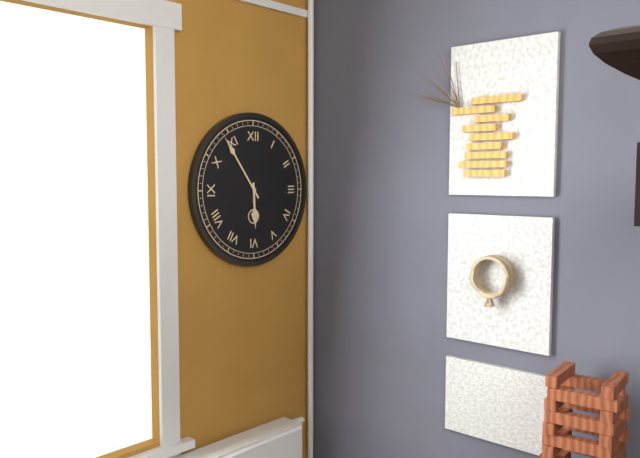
5:54
